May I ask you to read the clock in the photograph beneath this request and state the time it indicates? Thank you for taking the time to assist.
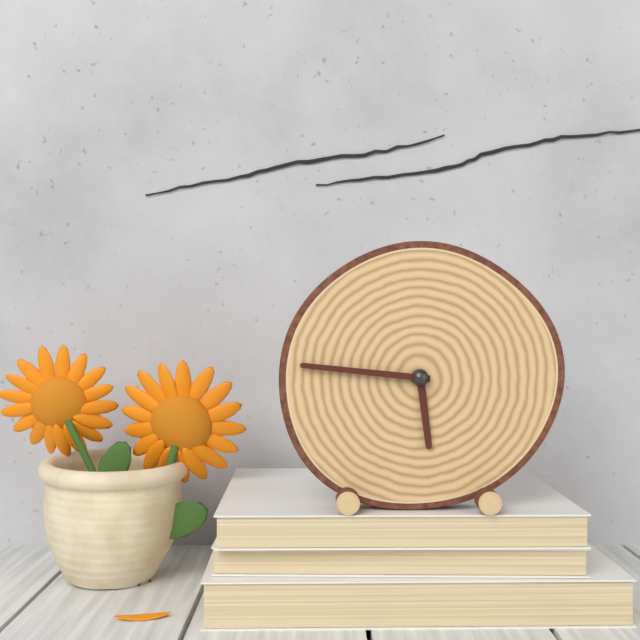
5:46
